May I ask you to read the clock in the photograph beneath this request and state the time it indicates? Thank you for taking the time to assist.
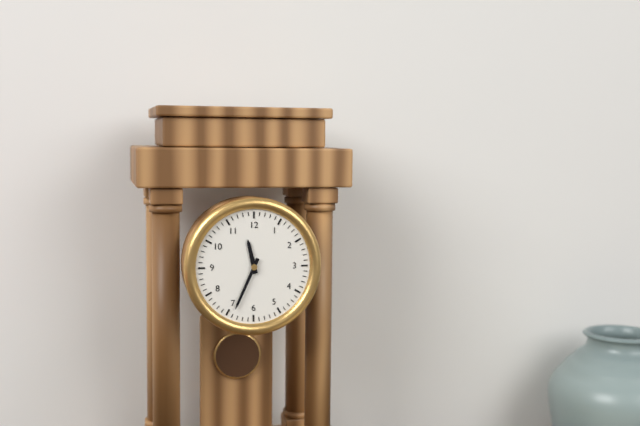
11:34
